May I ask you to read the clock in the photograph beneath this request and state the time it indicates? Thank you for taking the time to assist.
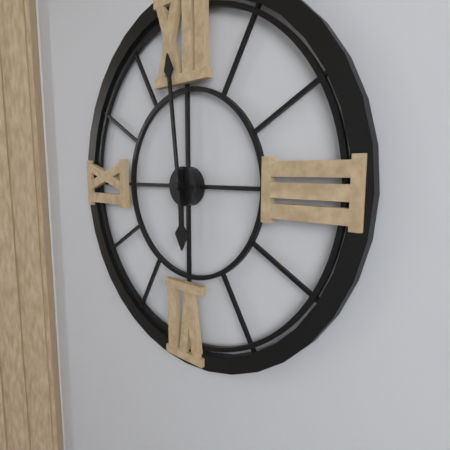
5:59
